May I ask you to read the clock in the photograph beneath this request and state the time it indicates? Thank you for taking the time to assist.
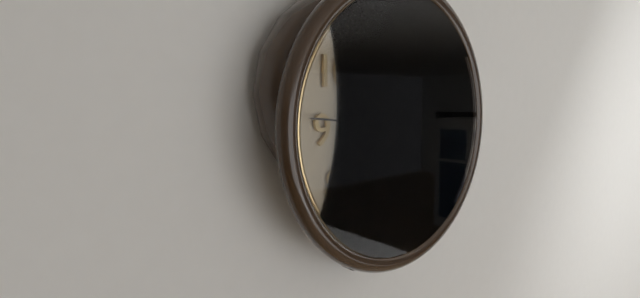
7:27:46
